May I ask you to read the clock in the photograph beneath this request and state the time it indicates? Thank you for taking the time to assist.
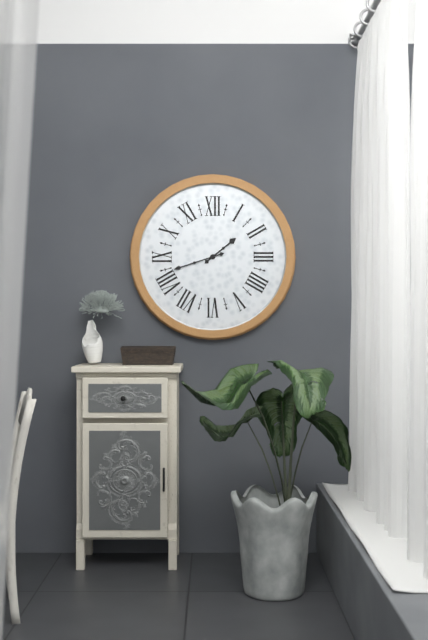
1:42
